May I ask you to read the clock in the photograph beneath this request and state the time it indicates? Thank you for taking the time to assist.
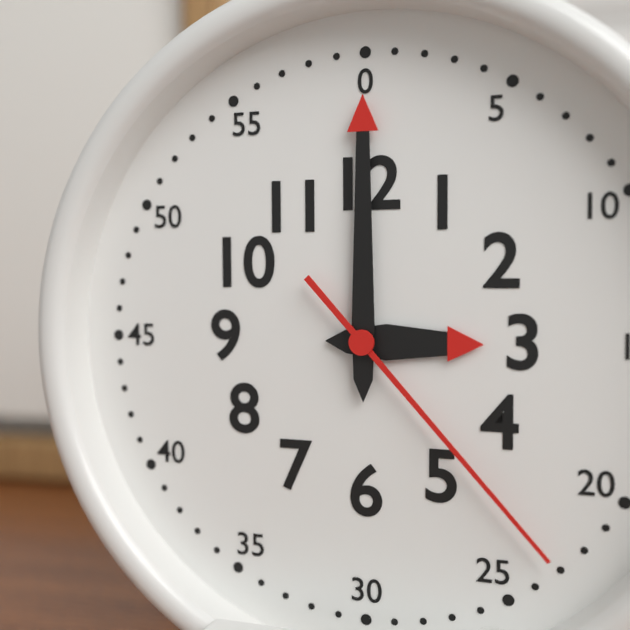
3:00:23
